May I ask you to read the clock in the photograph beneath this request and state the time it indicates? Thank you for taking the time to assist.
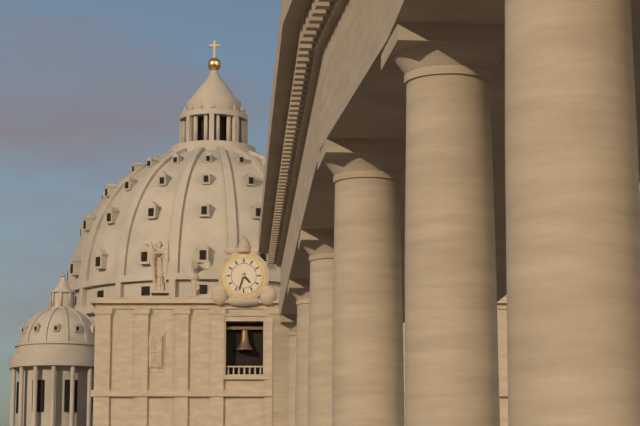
4:33
